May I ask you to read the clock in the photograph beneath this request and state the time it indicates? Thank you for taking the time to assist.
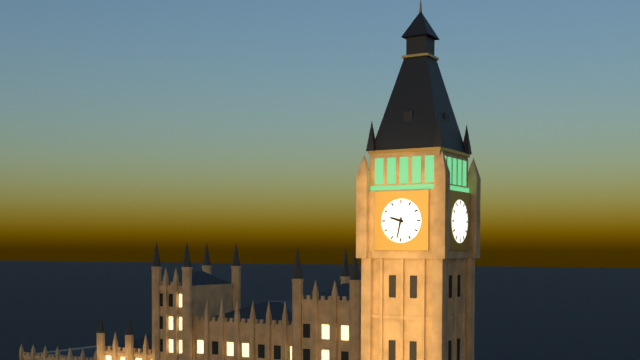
9:32
